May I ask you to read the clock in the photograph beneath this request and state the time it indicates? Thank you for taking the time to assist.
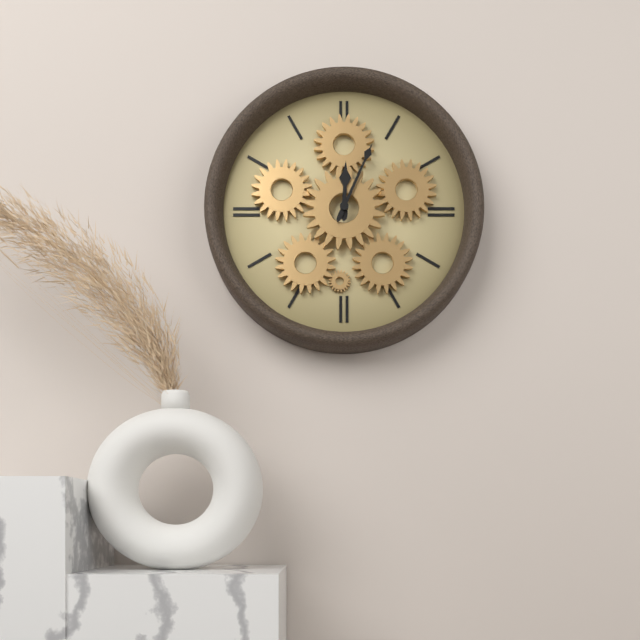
12:04
